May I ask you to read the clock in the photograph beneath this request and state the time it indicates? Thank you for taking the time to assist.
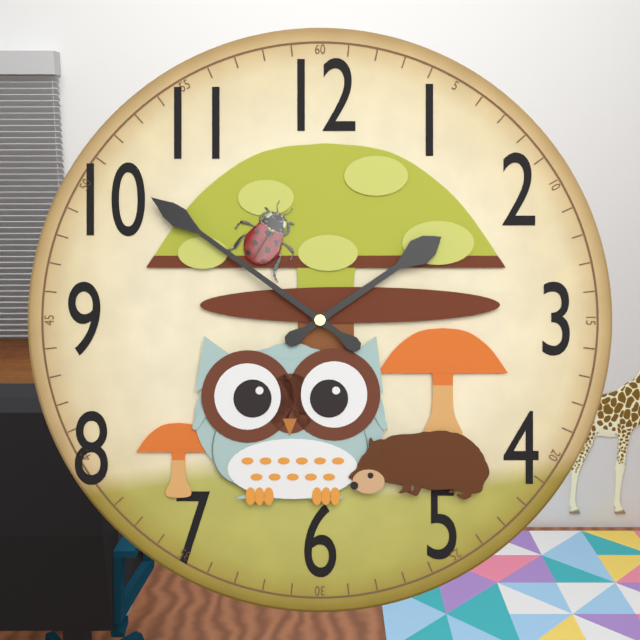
1:51
